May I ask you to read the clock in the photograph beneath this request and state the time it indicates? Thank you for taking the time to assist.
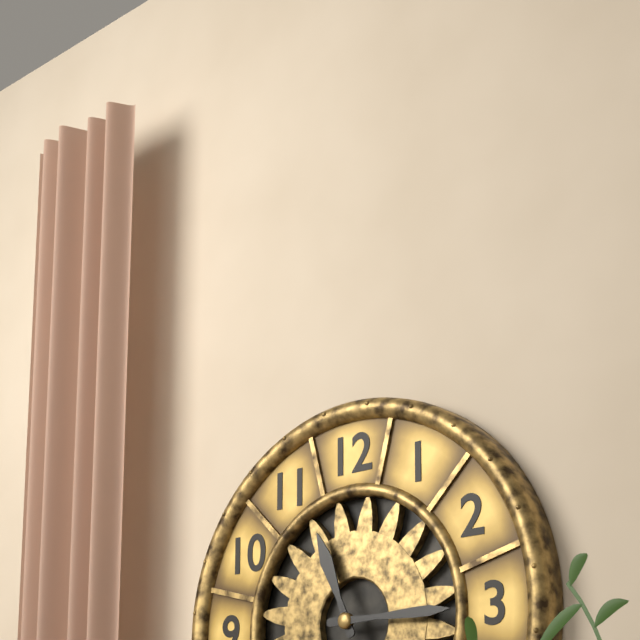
11:15
